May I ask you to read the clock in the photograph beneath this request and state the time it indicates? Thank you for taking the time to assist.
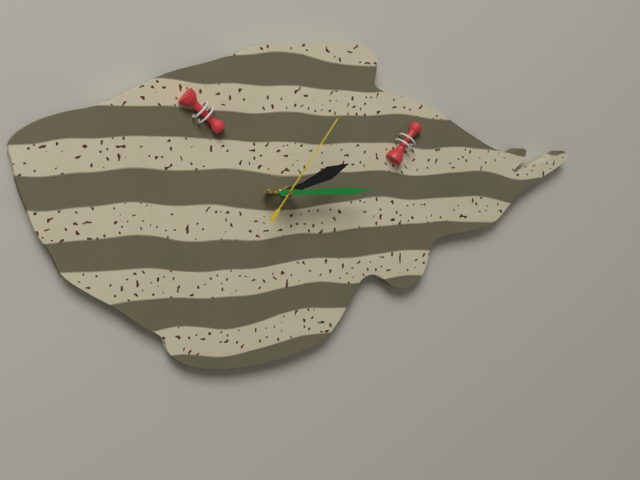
2:15:06
